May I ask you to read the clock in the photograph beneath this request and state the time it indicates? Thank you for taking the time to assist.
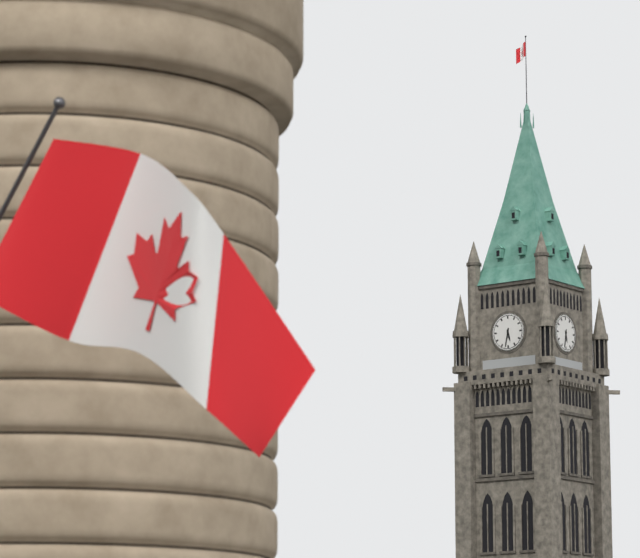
5:32
